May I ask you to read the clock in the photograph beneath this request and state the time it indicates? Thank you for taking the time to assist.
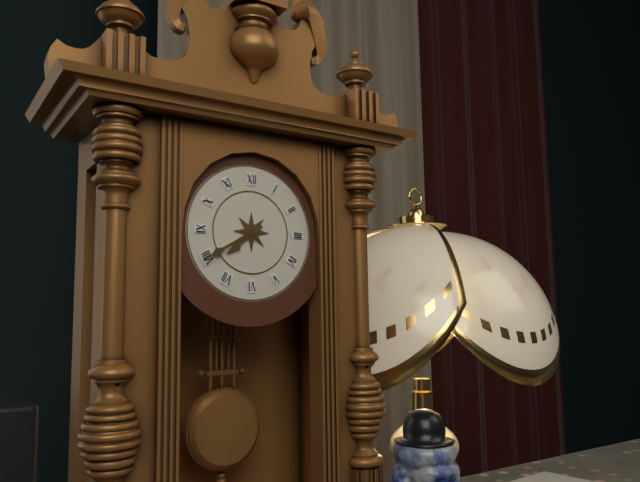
7:40
